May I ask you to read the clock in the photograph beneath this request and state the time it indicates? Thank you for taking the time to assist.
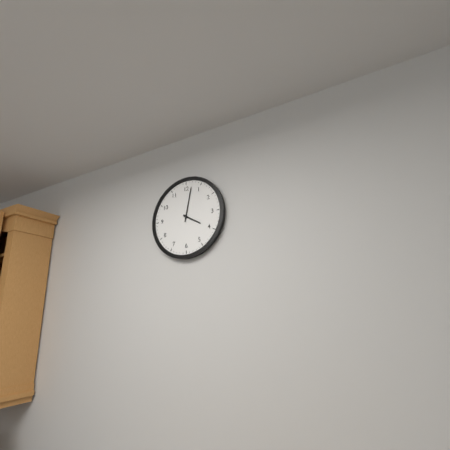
4:02
